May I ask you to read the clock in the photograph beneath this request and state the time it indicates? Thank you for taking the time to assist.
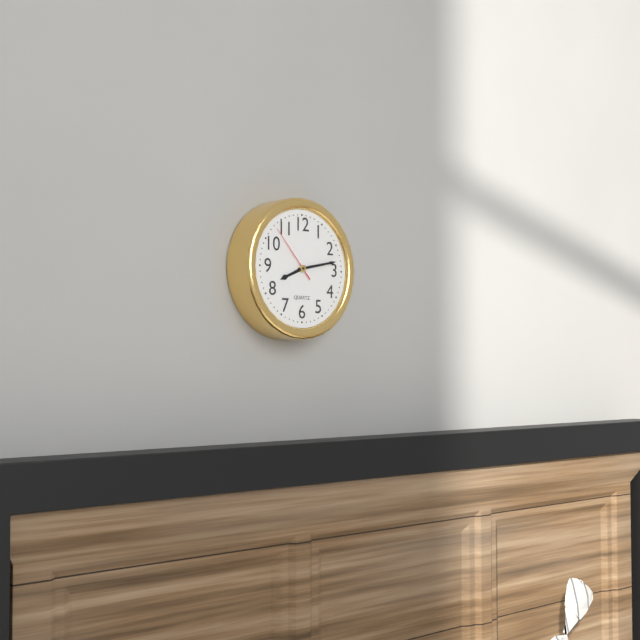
8:13:53
